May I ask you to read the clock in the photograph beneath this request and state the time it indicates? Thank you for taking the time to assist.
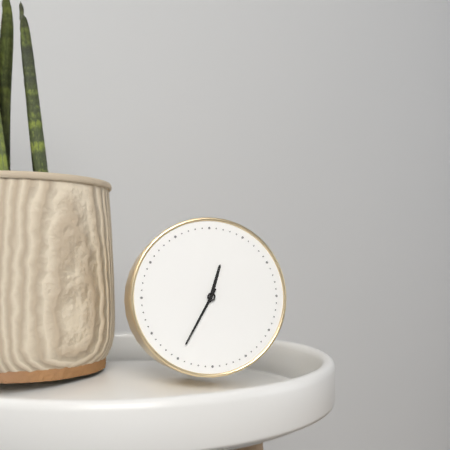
12:35
